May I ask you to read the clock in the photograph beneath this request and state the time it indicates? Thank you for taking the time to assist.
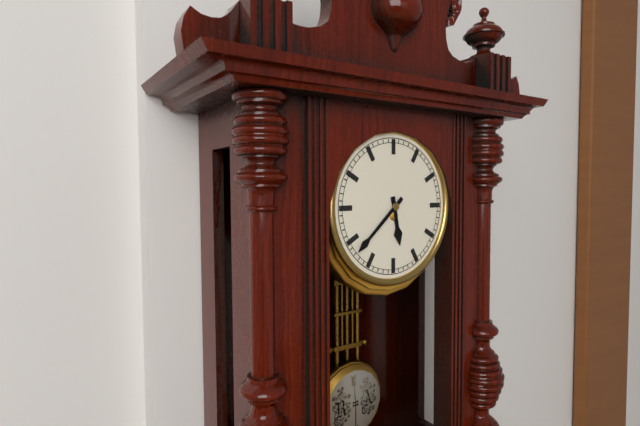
5:38
